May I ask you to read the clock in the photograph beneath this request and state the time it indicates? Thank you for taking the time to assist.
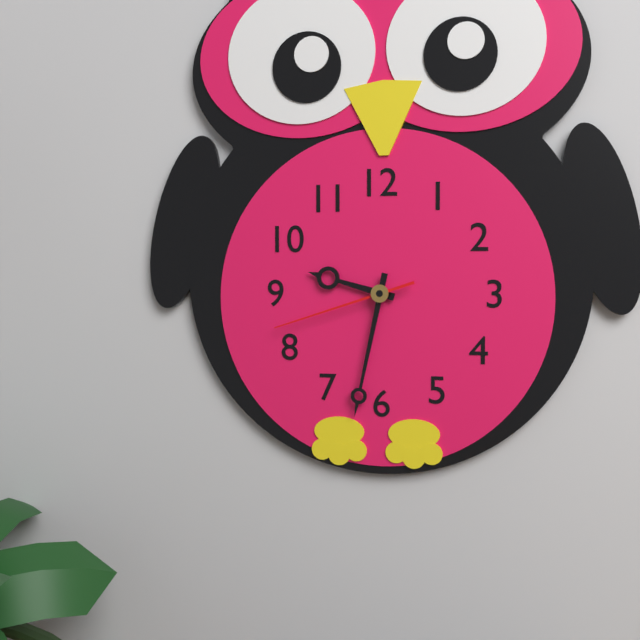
9:32:42
